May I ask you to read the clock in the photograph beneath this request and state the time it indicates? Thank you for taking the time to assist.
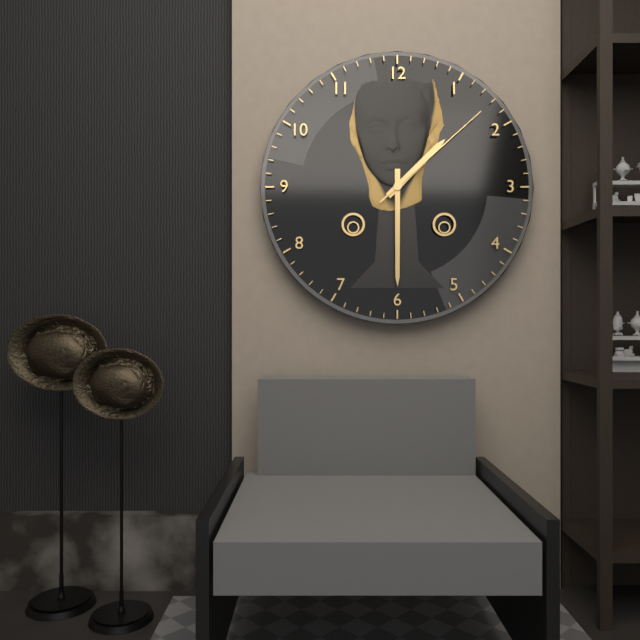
1:30:08
